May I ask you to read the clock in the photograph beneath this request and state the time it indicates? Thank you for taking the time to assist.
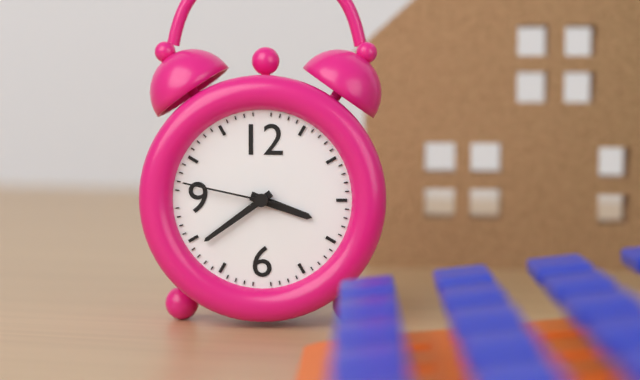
3:39:47
